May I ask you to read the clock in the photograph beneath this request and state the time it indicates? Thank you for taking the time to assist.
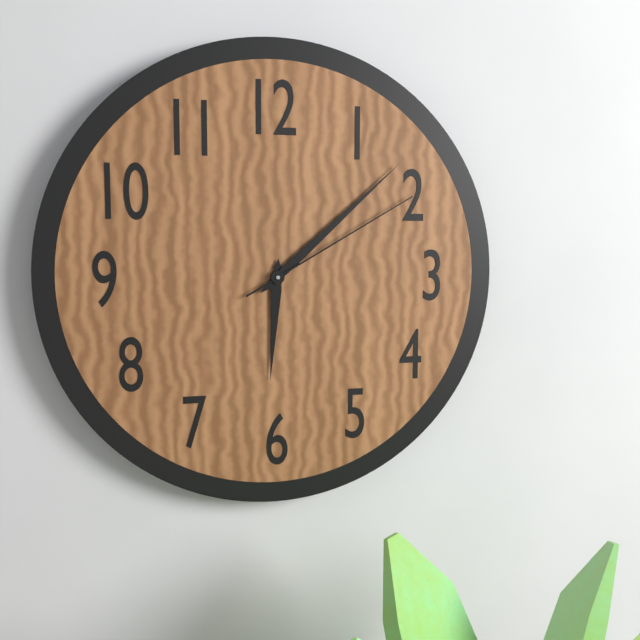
6:08:10
